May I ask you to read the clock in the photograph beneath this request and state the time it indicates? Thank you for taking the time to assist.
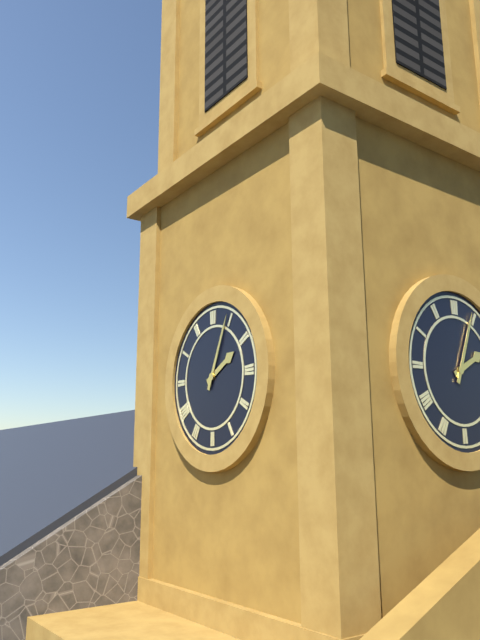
2:04
